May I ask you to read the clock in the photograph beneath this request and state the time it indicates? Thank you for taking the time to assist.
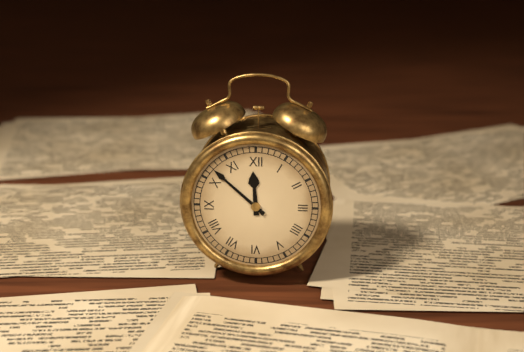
11:52
